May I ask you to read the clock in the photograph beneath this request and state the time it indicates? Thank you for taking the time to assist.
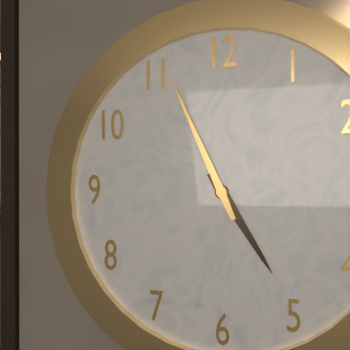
4:56
